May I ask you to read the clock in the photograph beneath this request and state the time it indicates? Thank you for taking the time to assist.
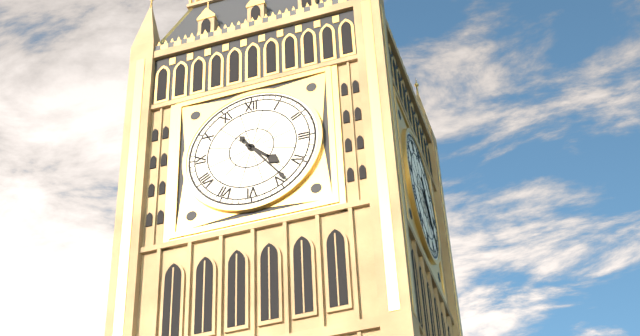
4:24
